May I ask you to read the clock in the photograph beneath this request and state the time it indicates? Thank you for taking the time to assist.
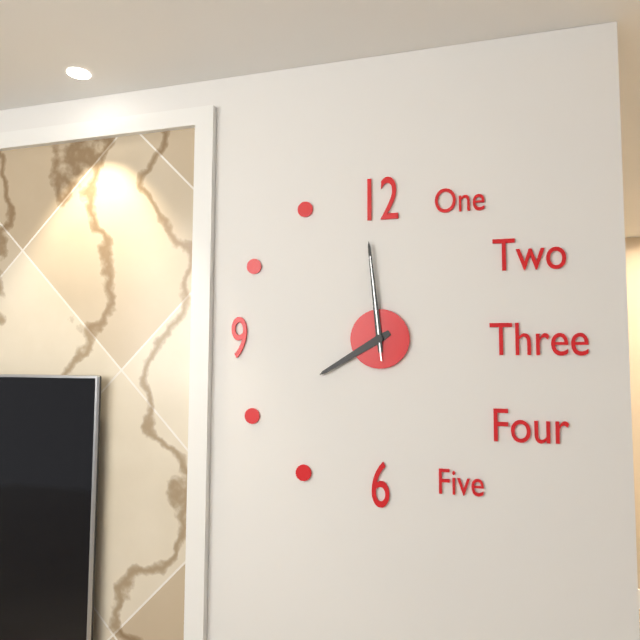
7:59:59
